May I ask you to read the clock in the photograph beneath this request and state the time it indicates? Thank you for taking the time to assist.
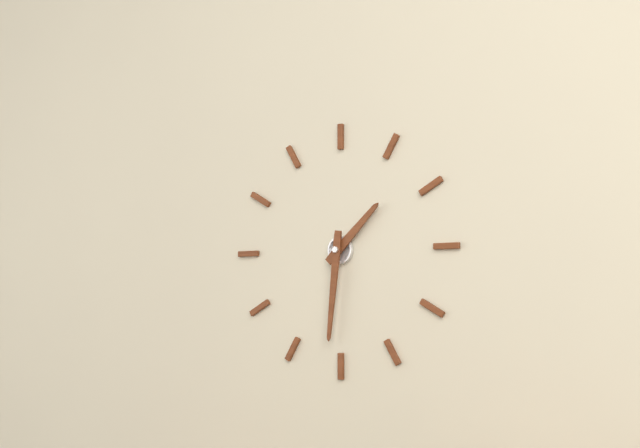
1:31
